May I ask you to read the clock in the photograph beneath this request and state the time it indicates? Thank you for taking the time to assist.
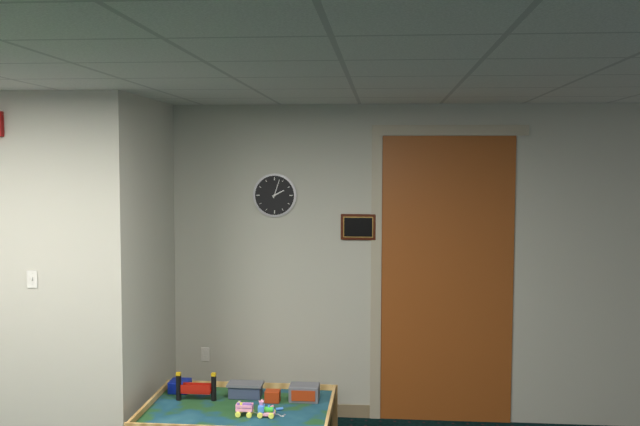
2:03
